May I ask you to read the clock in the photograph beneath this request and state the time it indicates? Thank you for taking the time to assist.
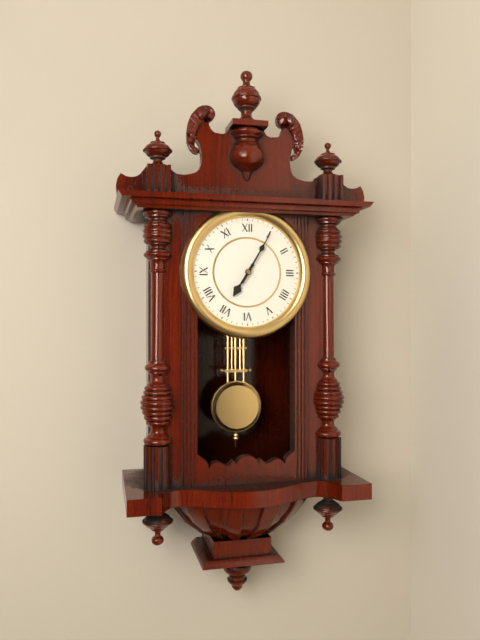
7:05
